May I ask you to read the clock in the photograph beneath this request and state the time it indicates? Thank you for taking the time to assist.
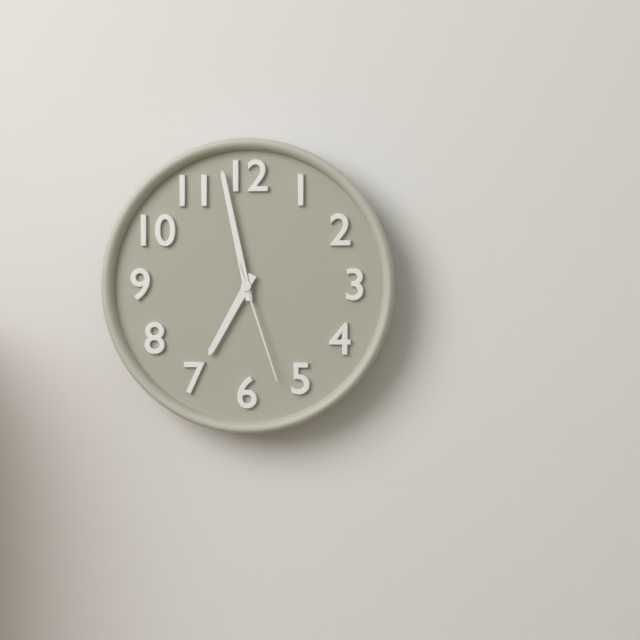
6:58:27
